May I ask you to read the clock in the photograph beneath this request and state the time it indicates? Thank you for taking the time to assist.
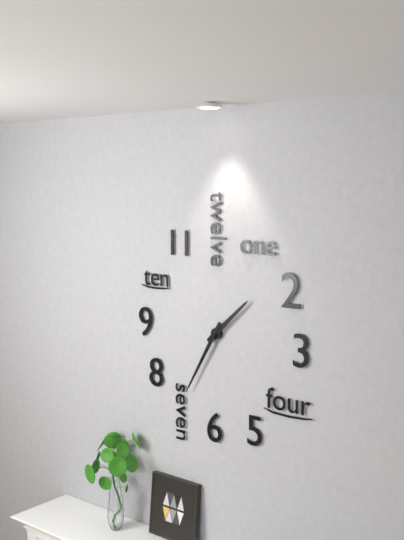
1:35
